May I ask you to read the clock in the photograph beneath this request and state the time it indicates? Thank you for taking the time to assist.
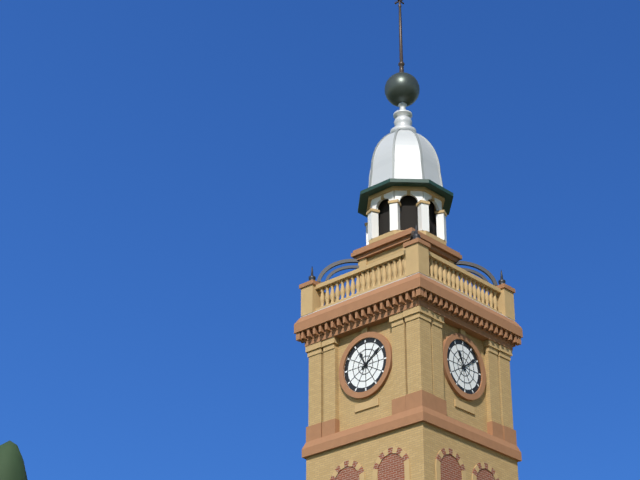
11:09
